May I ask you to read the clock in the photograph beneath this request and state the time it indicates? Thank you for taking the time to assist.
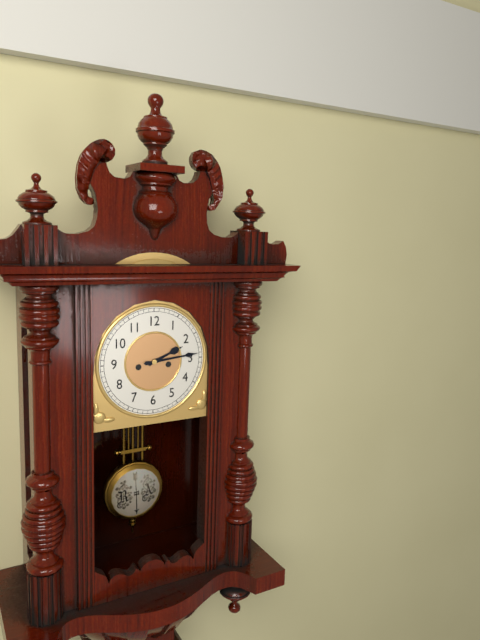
2:14
